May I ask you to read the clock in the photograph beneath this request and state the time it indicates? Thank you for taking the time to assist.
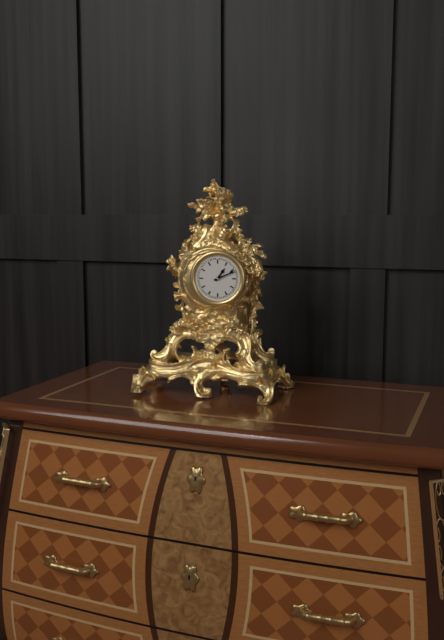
1:11
